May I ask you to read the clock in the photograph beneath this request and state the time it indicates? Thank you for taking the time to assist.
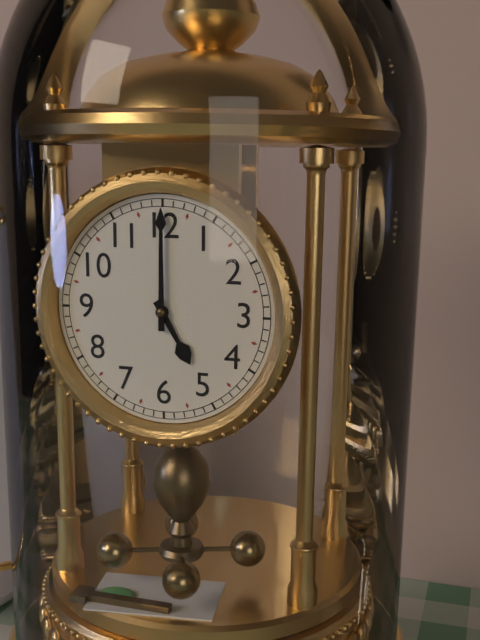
5:00
